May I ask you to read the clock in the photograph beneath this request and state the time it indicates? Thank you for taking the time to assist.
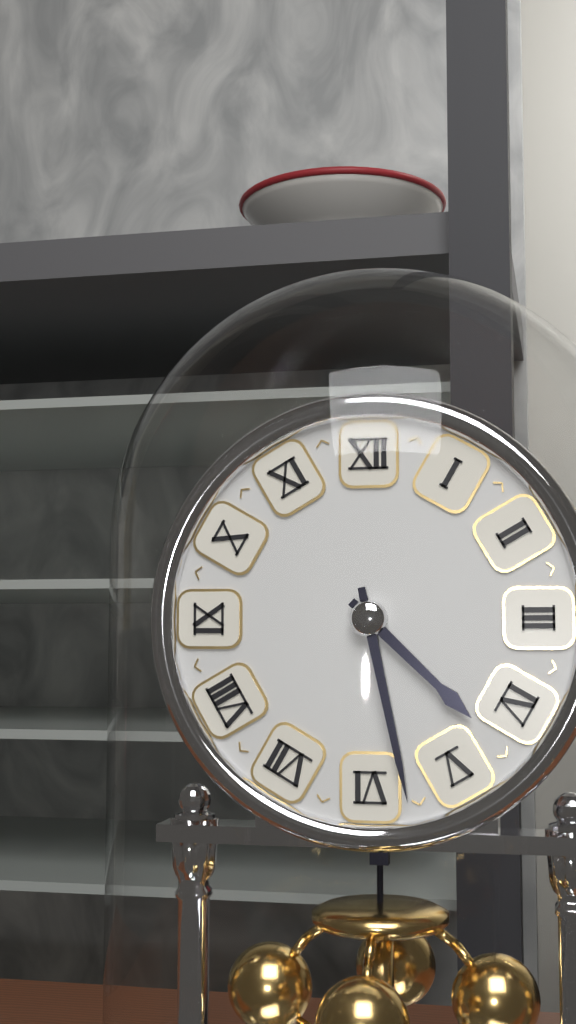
4:28
